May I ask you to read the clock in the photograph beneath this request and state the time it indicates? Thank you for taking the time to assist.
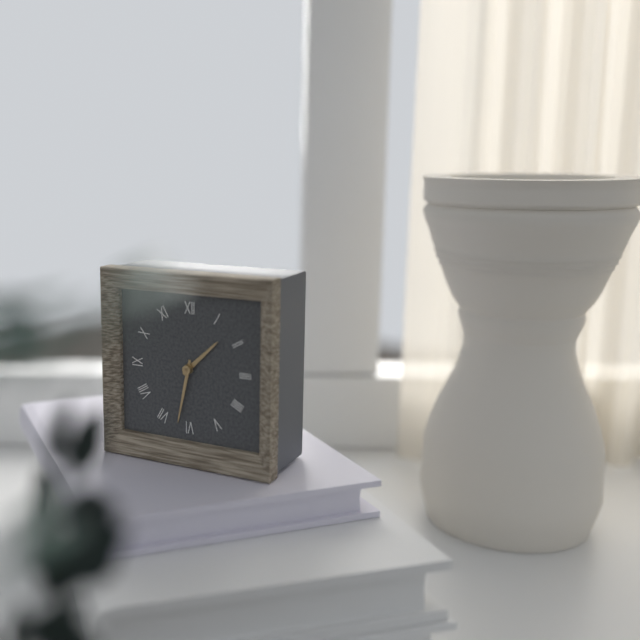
1:32
